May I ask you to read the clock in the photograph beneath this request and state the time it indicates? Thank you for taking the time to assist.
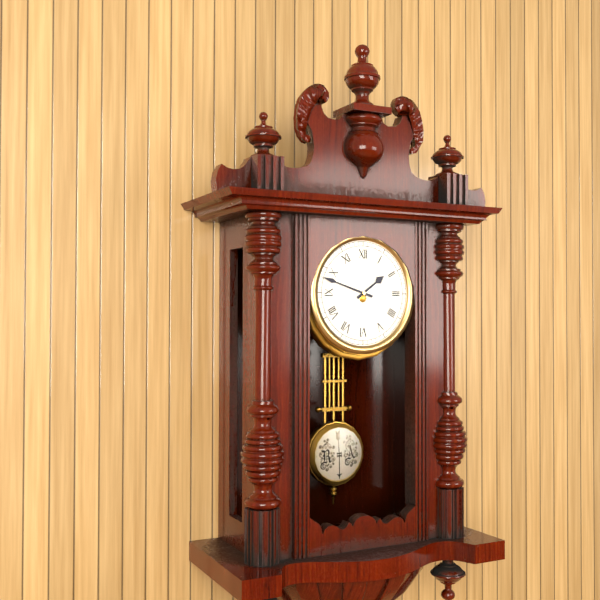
1:48
